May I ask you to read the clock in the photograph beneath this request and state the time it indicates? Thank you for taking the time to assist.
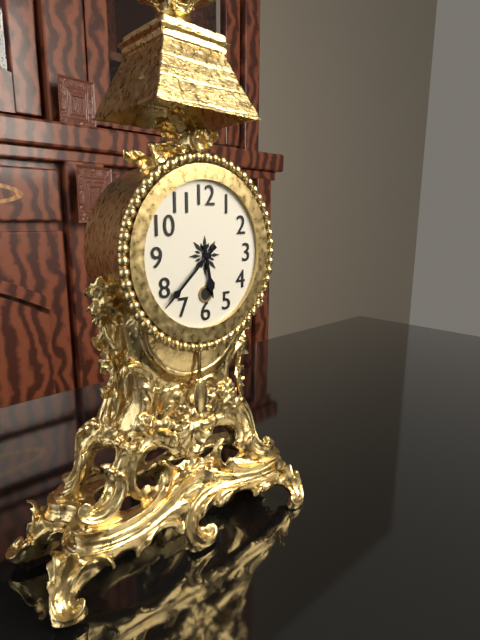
5:38
